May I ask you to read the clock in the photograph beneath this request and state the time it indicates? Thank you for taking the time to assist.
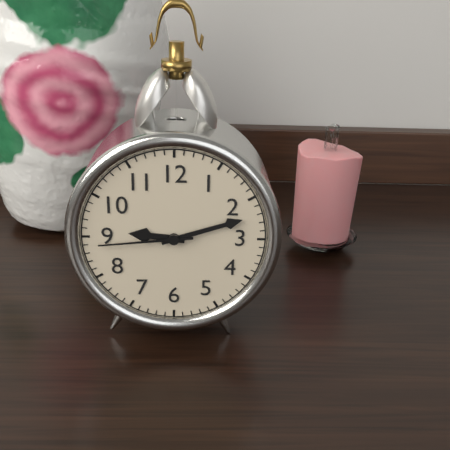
9:12:44
